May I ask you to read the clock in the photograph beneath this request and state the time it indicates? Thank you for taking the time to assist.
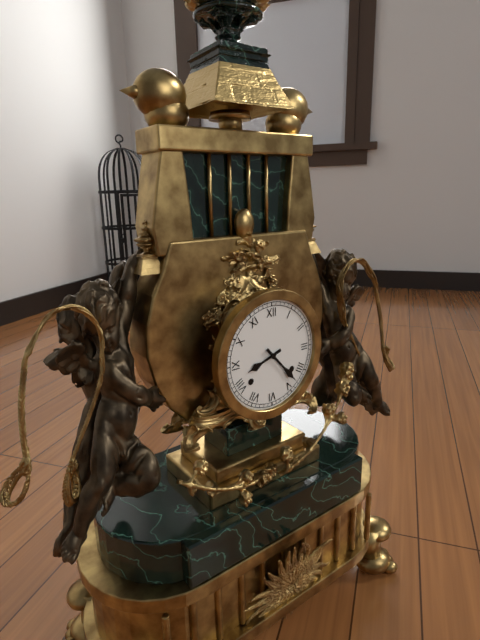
8:23
